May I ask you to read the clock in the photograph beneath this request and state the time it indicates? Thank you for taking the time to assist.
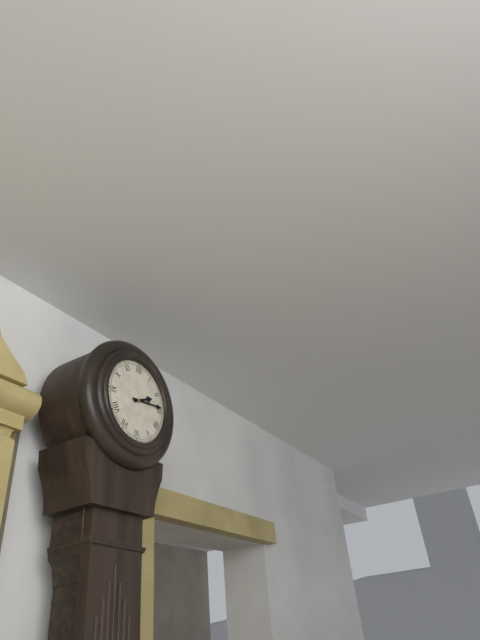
2:14
